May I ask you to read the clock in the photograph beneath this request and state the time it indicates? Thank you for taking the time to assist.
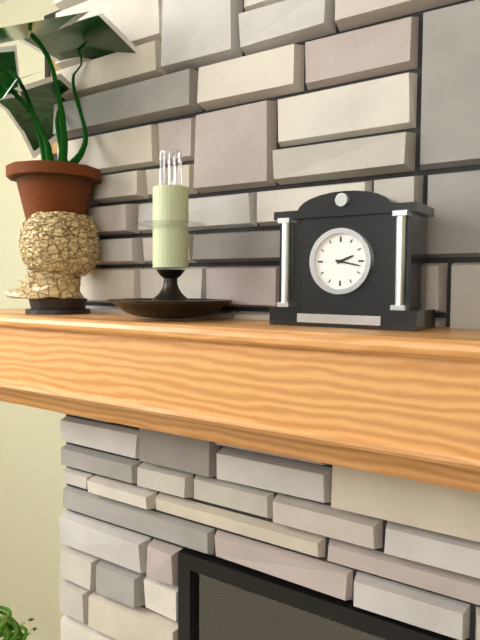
2:17
